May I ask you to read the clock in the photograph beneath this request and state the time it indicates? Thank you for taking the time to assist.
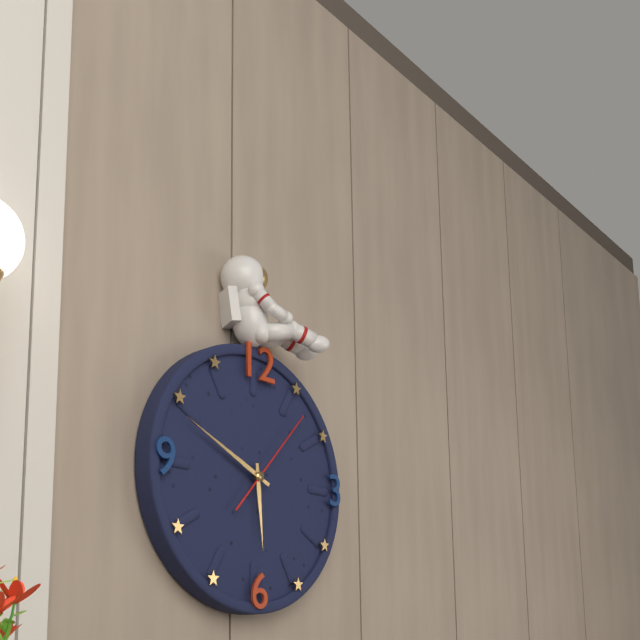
5:49:07
